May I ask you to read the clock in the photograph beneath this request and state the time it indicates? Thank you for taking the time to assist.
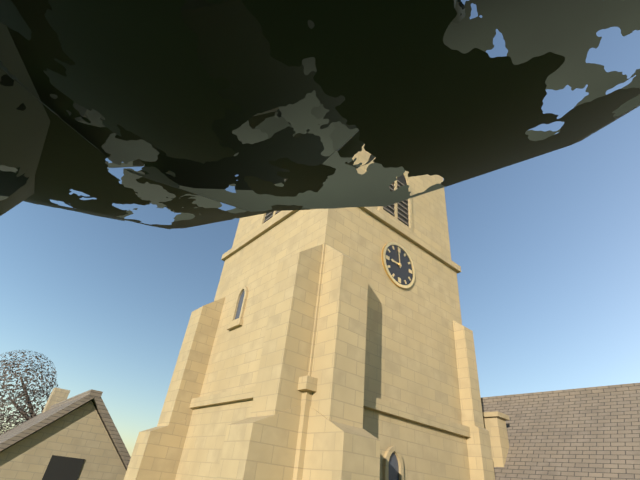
8:59
